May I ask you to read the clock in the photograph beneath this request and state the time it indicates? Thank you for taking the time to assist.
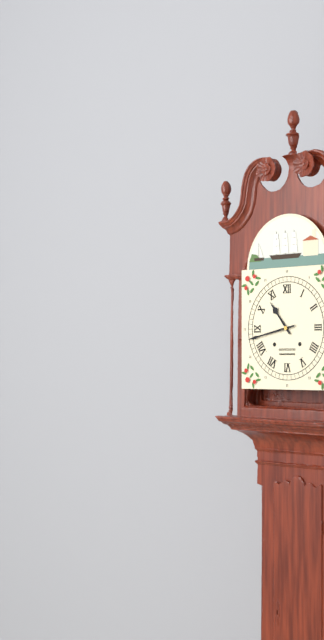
10:43
